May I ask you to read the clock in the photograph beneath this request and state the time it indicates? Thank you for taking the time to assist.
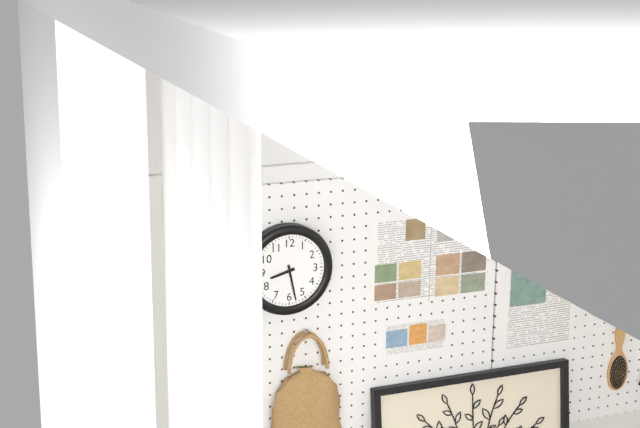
8:28
